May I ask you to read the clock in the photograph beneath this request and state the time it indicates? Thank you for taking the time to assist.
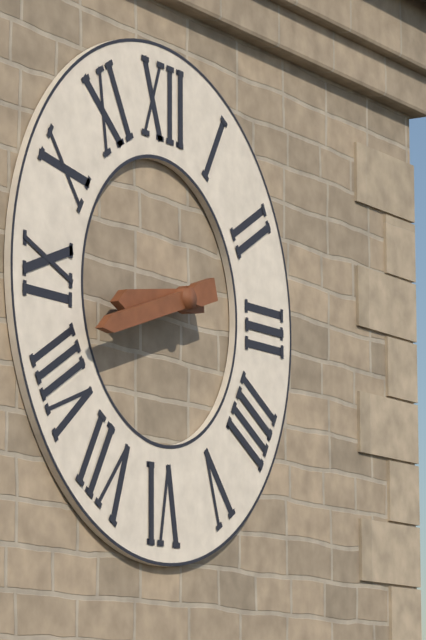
8:42
